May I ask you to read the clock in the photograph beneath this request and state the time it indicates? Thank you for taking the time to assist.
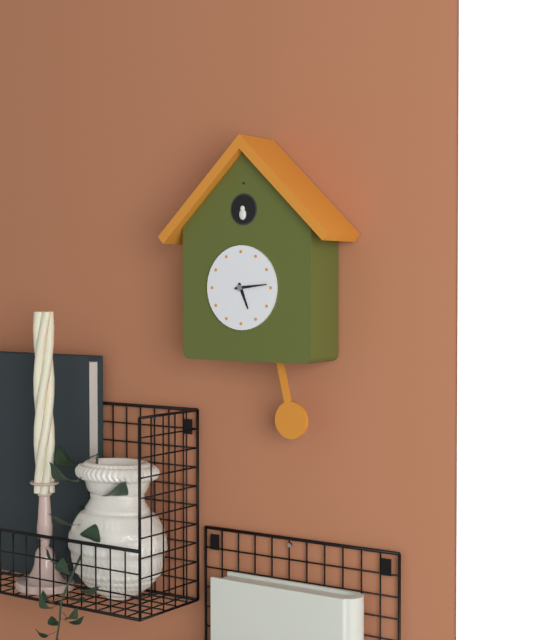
5:14
